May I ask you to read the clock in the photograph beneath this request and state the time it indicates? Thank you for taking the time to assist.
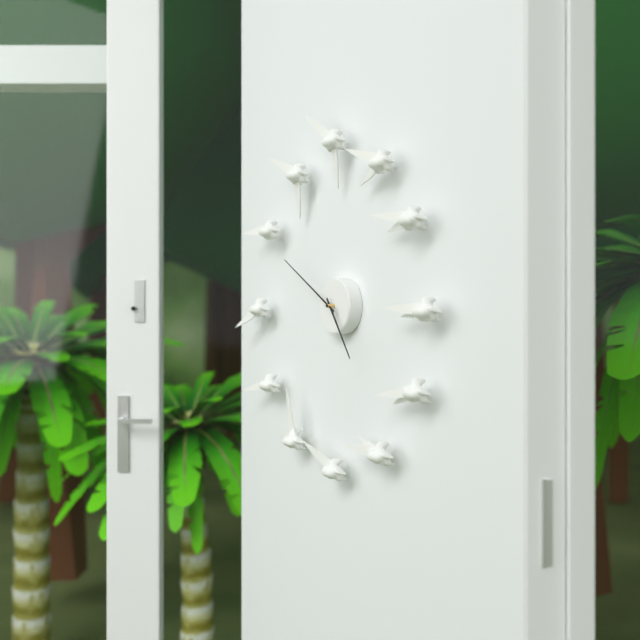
4:50
